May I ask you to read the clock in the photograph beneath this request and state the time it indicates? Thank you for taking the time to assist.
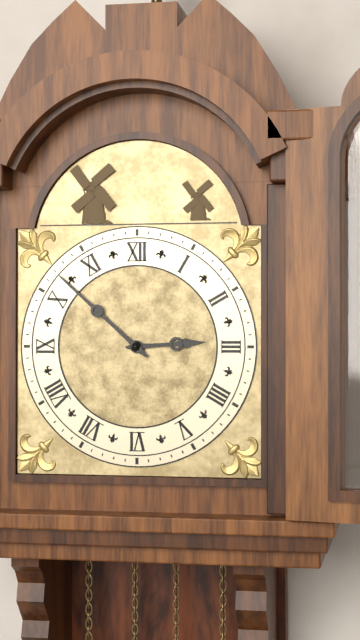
2:52
